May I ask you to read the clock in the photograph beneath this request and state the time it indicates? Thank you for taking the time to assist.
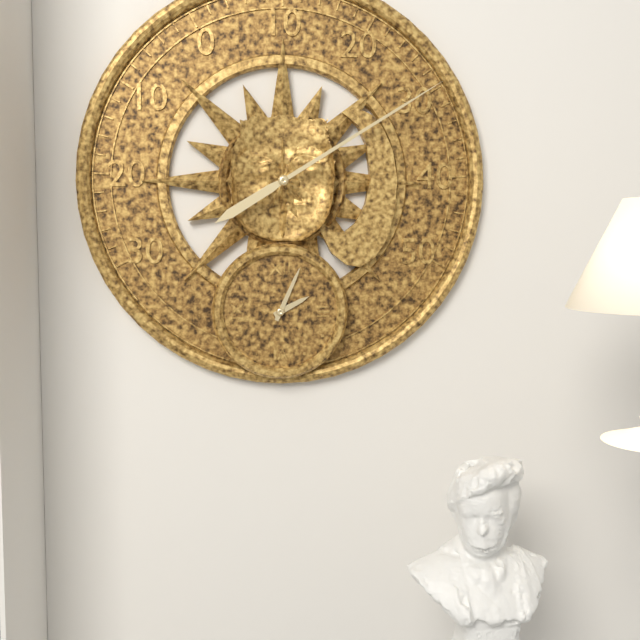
2:04
